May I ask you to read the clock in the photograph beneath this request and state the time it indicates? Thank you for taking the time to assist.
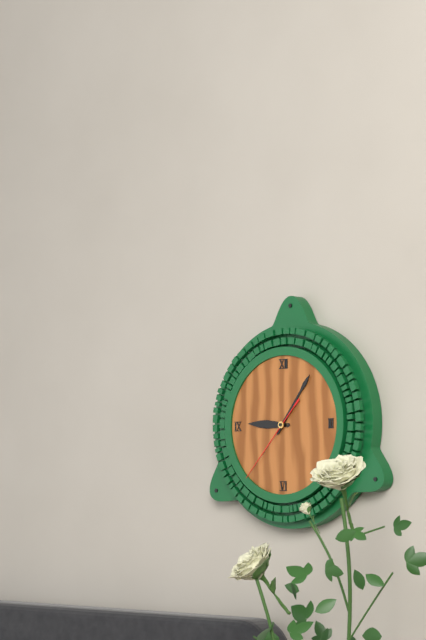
9:06:37
